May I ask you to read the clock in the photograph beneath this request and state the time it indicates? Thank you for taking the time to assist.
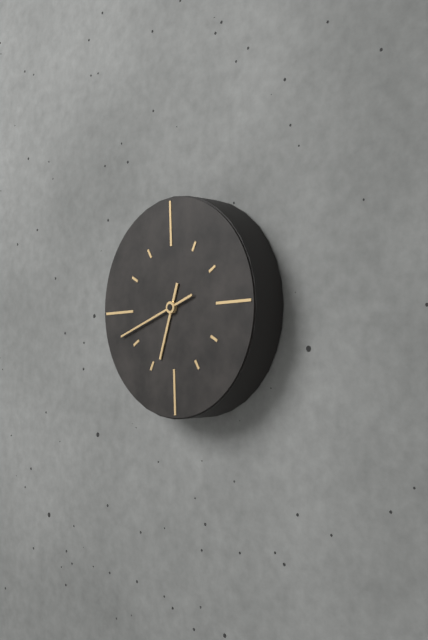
6:42
